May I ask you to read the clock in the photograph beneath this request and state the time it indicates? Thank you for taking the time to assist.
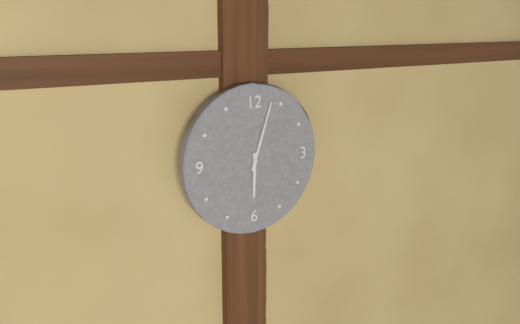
6:03
